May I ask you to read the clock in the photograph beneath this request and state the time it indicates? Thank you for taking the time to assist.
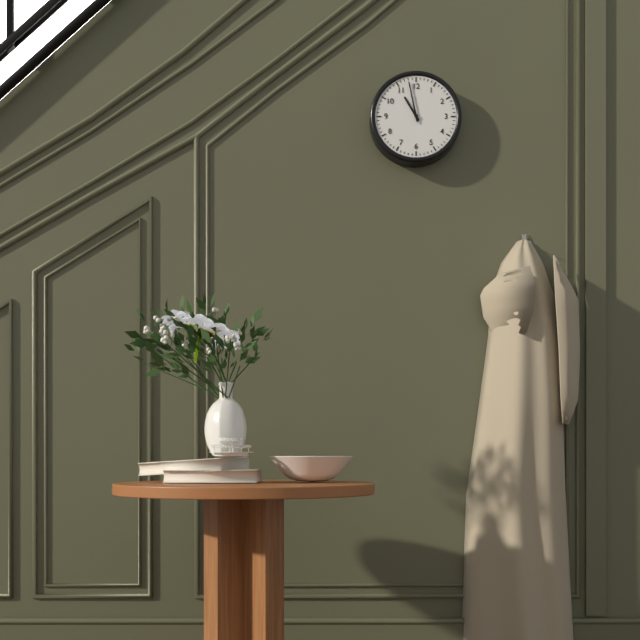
10:58
